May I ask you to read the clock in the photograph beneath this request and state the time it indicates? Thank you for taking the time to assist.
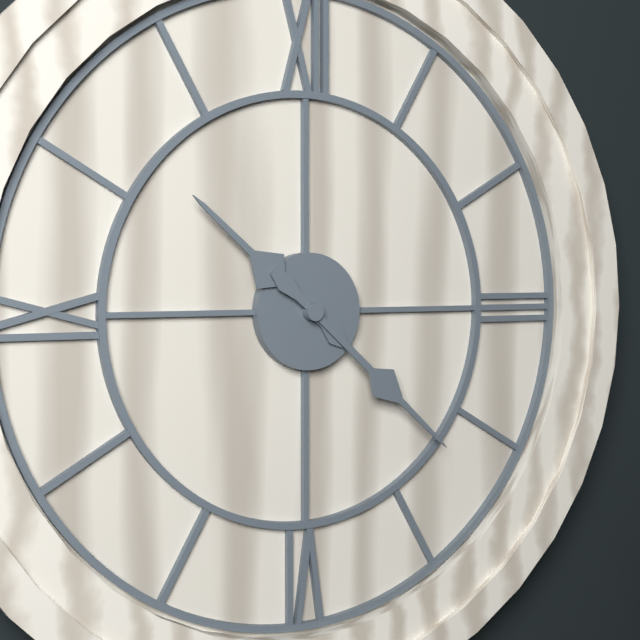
10:22
